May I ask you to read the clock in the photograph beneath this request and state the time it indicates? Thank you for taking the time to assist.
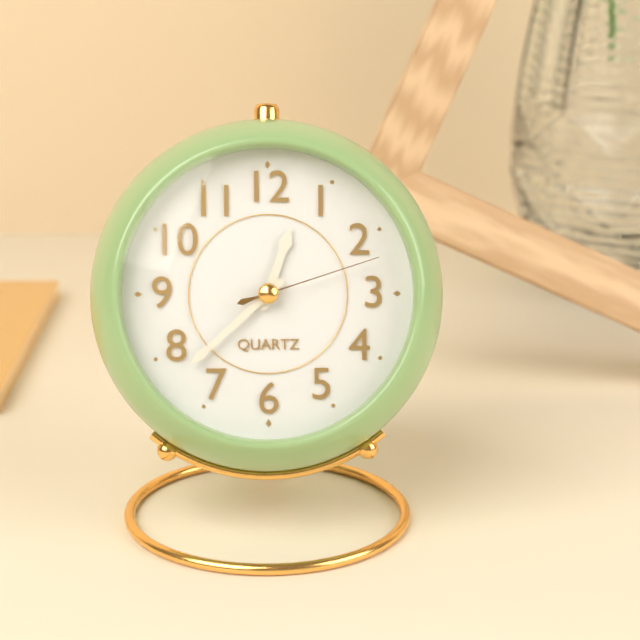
12:38:12
